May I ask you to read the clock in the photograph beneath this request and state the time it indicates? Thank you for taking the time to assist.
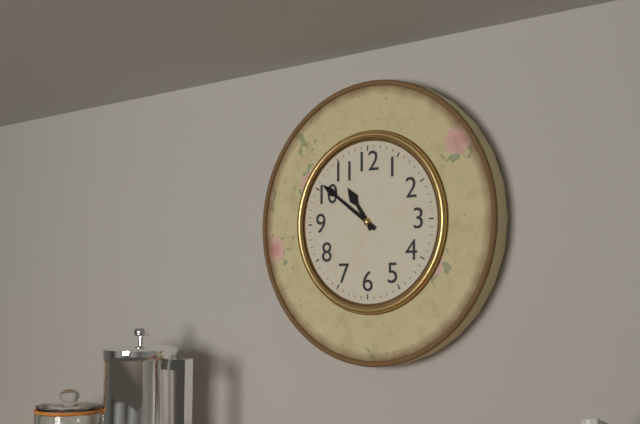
10:51
